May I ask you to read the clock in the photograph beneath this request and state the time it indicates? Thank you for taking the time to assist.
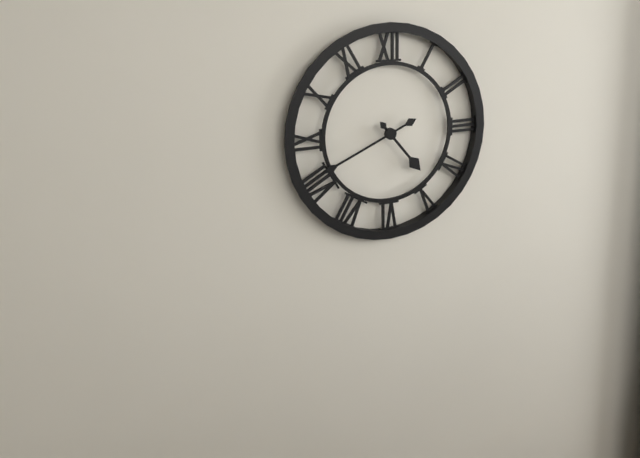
4:41
